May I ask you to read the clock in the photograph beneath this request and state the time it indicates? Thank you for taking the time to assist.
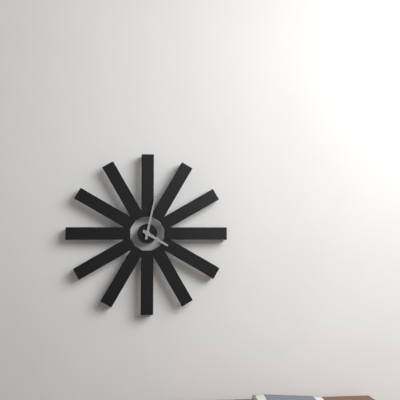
4:02
